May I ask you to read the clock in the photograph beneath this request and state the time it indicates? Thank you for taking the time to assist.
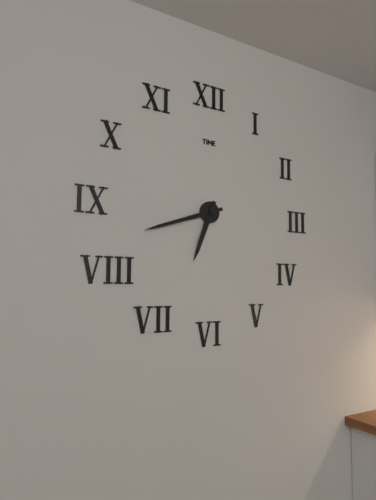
6:42
